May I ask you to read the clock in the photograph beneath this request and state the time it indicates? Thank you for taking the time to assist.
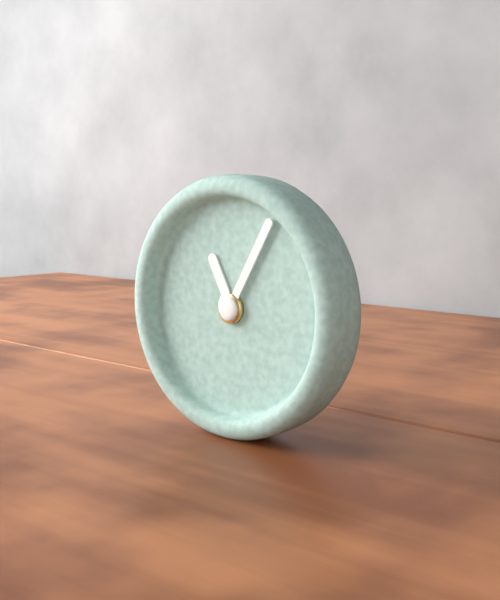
11:05
